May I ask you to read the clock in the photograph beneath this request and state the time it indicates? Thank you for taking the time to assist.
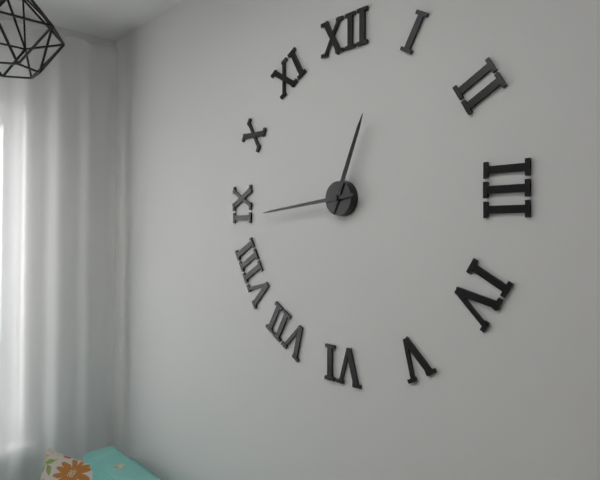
12:44
